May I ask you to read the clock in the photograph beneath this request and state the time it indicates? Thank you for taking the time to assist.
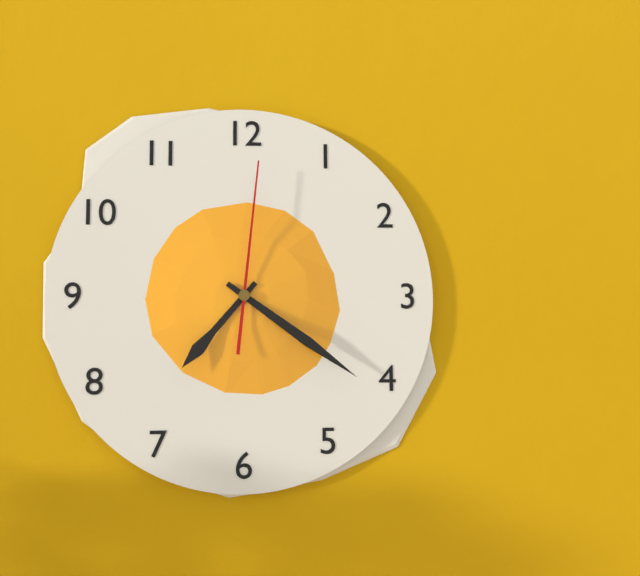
7:21:01
